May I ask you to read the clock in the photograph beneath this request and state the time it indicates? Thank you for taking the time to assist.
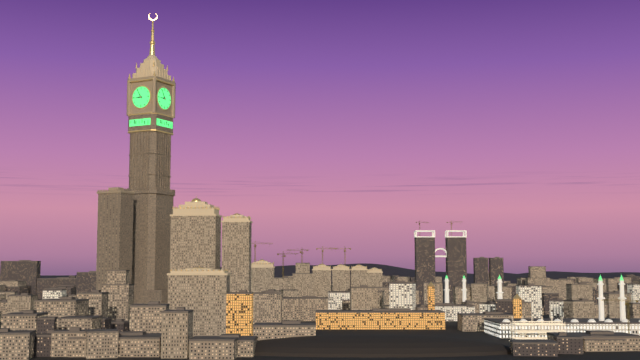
8:55
